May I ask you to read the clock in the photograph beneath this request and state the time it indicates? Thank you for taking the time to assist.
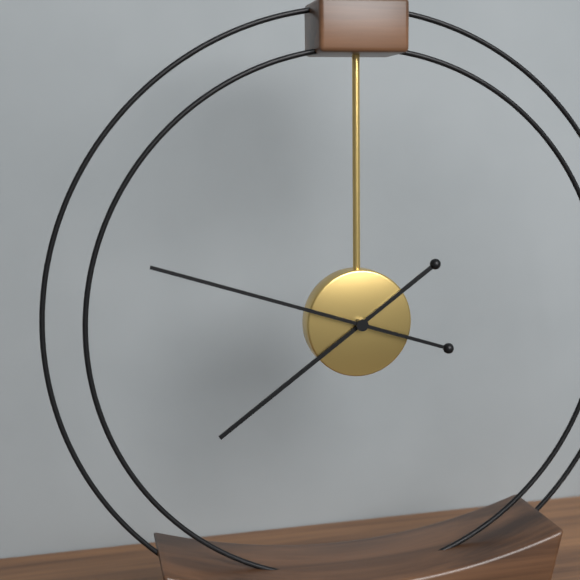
7:48
